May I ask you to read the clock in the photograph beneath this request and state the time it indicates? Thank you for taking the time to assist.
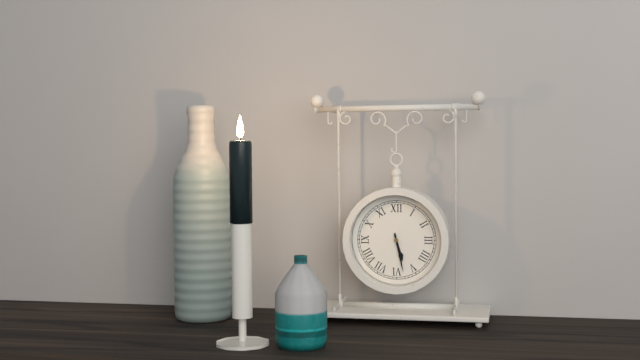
5:28
